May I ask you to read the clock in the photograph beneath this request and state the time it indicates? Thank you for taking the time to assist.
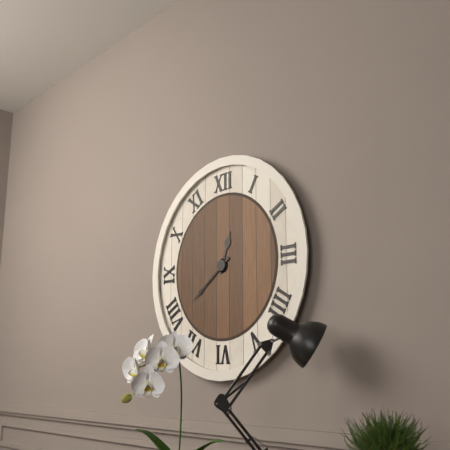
12:39
